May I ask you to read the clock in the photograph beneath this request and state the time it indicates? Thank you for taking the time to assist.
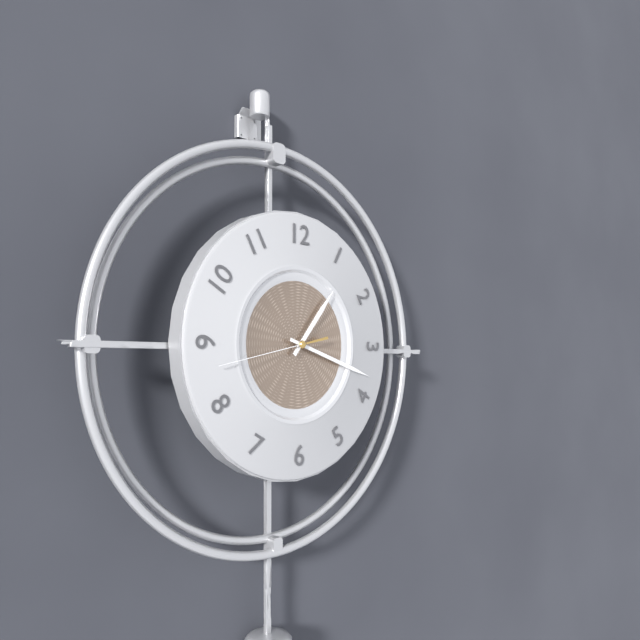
1:18:43
